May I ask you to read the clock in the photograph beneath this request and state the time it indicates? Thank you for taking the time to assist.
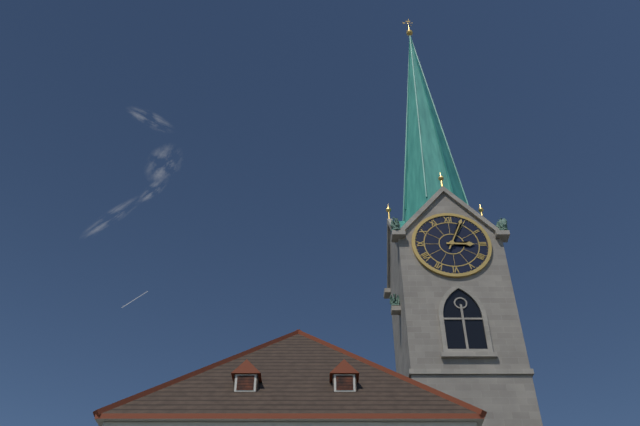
3:04
